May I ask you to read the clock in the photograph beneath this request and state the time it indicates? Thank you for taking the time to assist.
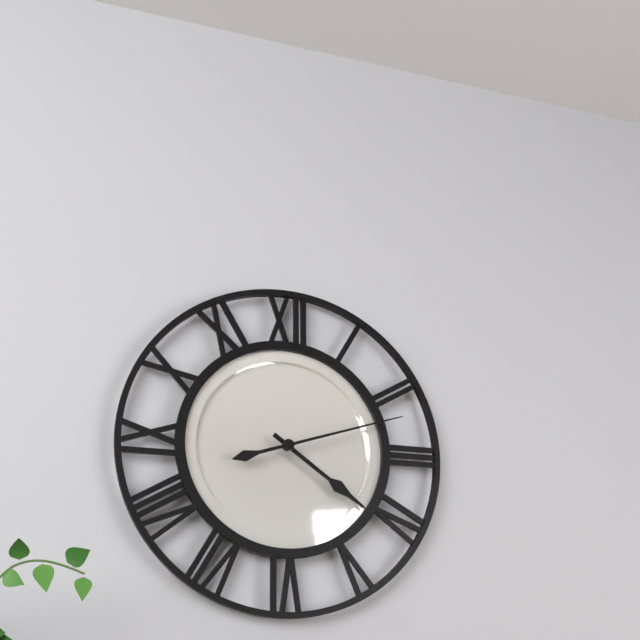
4:12
